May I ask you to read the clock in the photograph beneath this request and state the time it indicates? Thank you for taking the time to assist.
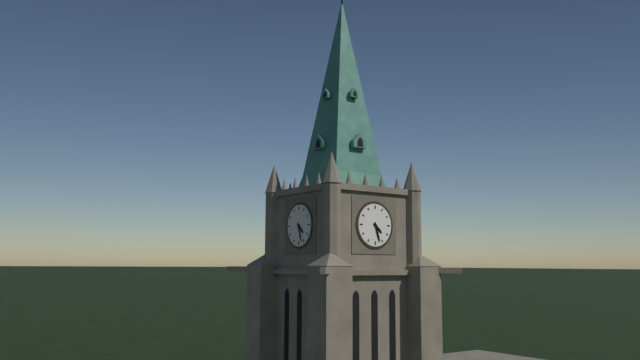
4:27
